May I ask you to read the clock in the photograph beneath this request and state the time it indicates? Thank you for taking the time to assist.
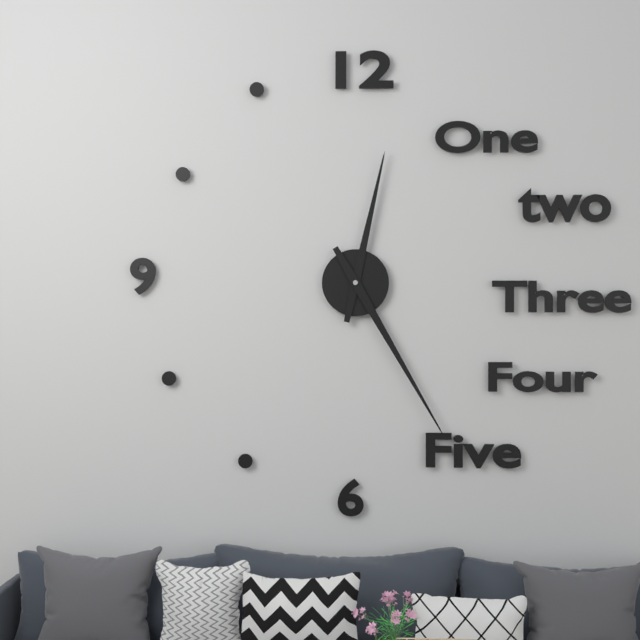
12:25
